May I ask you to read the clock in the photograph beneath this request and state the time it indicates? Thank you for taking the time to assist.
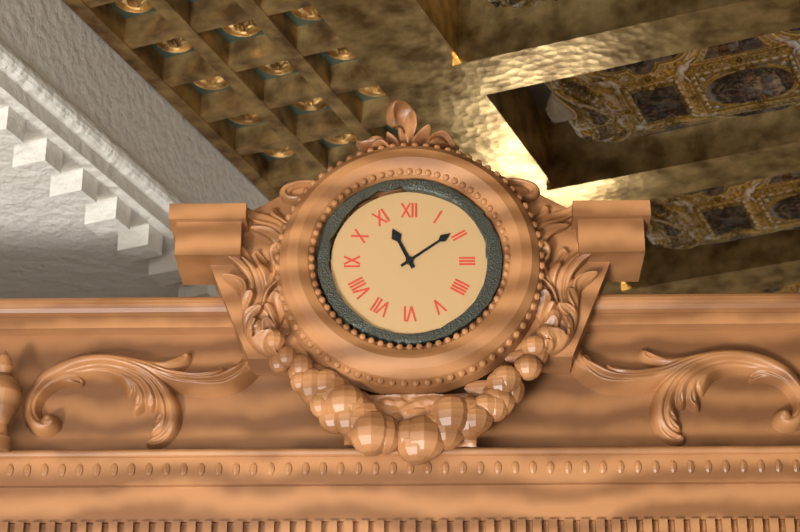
11:09
